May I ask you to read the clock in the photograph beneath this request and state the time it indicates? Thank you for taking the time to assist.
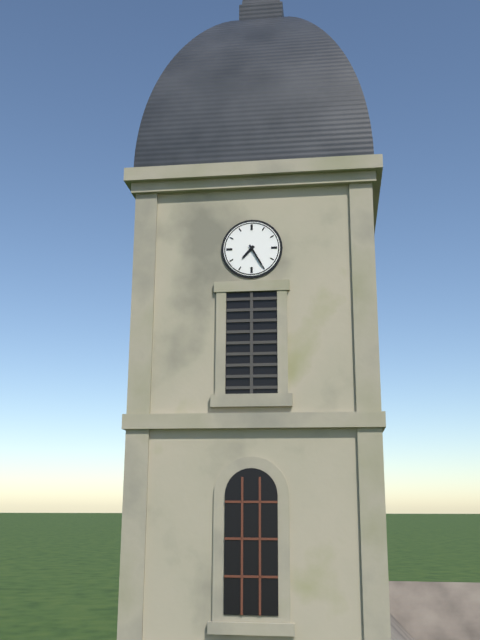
7:25
